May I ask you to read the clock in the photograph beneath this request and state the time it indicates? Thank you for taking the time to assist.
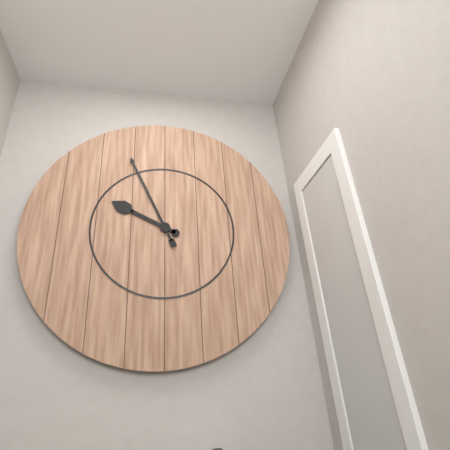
9:56
